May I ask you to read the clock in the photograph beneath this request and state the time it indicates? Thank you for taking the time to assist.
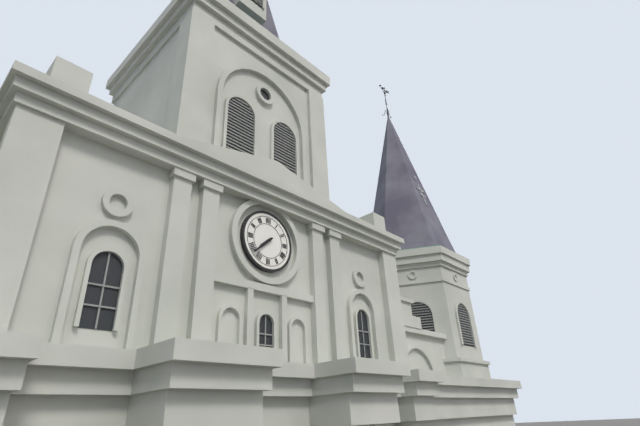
7:38
